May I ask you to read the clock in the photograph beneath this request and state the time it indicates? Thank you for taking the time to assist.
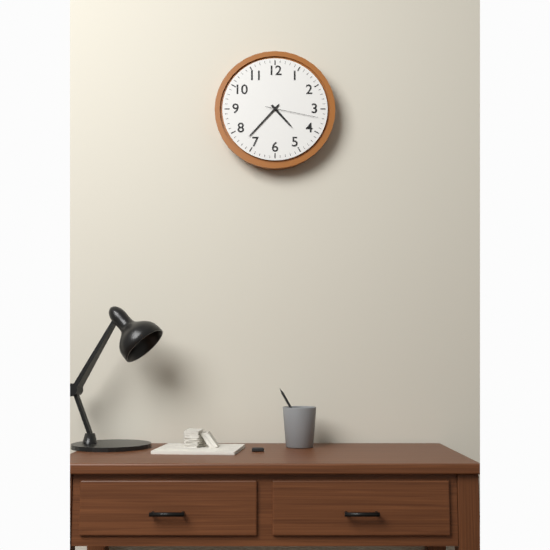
4:37:17
